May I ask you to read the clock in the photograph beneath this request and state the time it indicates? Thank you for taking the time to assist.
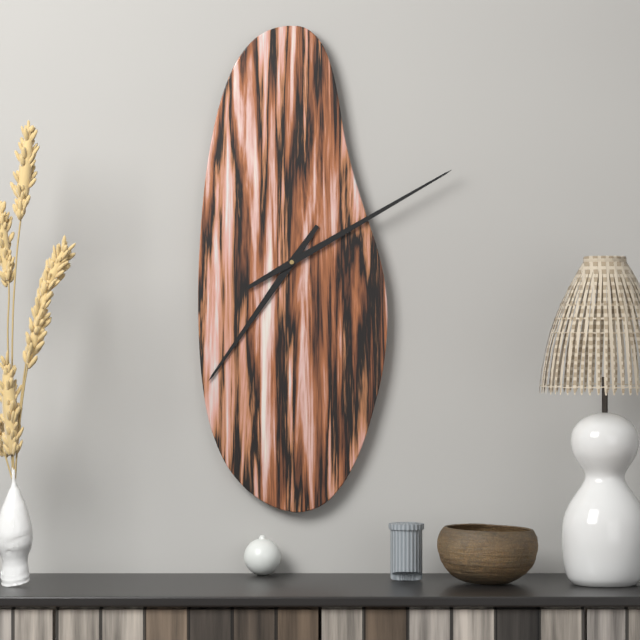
7:10
